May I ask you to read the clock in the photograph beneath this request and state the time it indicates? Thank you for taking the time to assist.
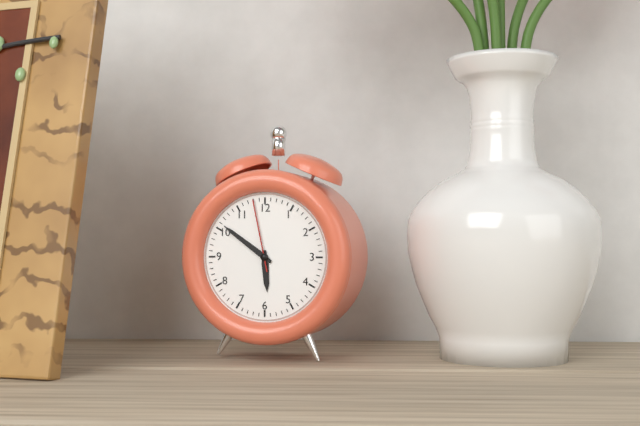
5:51:58
